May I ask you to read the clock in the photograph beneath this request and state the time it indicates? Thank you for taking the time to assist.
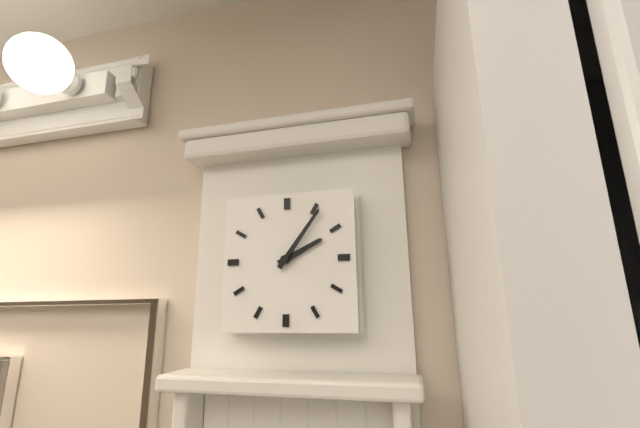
2:06
